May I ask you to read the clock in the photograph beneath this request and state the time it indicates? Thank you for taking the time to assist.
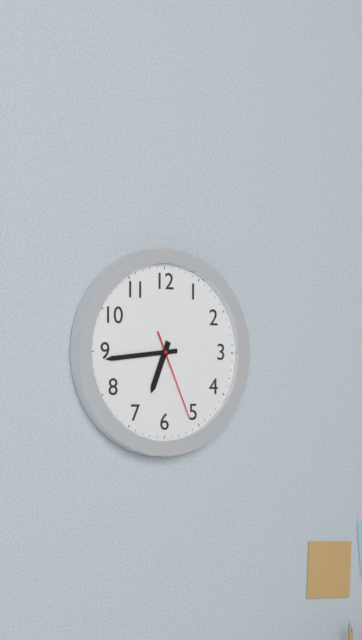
6:44:26
